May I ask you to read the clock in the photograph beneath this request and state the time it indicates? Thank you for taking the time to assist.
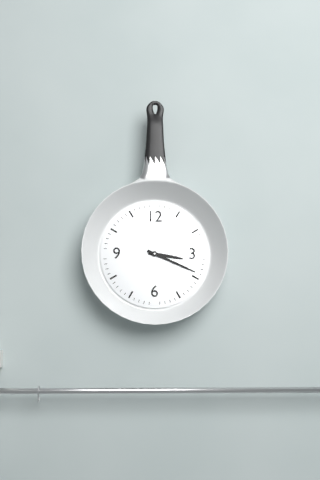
3:19
